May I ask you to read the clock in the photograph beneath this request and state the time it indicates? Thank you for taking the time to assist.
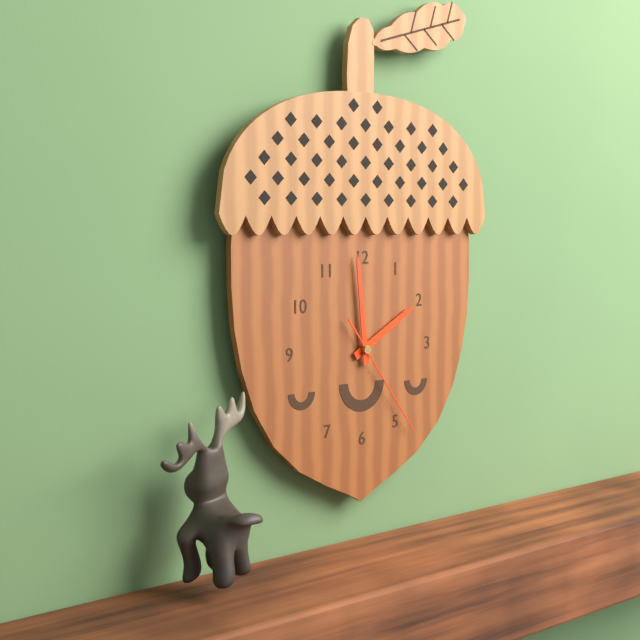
1:59:24
